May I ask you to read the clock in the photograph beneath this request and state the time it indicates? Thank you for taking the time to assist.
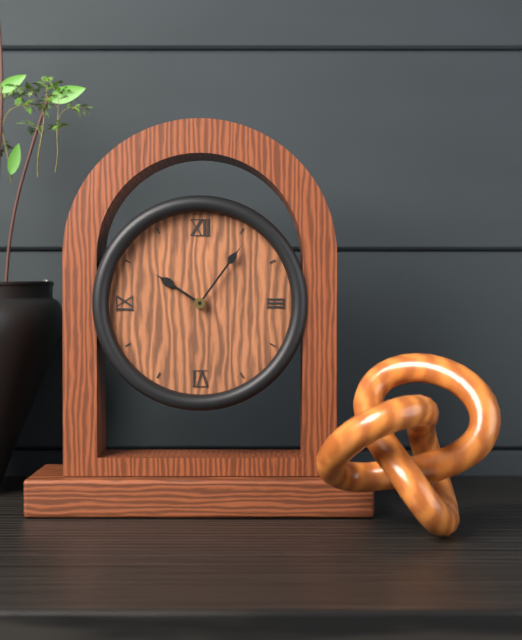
10:06
